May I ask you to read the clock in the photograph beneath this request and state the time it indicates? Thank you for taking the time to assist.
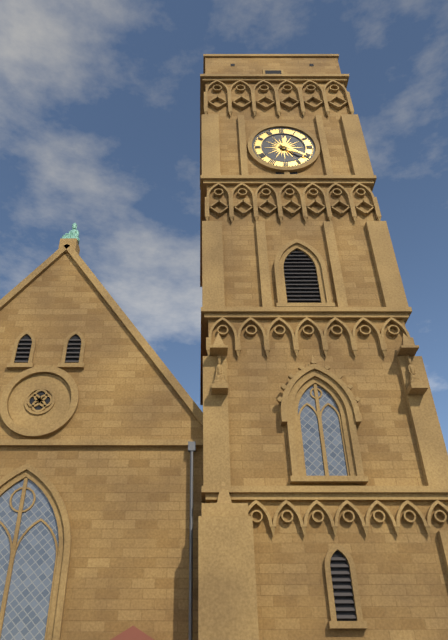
12:21
